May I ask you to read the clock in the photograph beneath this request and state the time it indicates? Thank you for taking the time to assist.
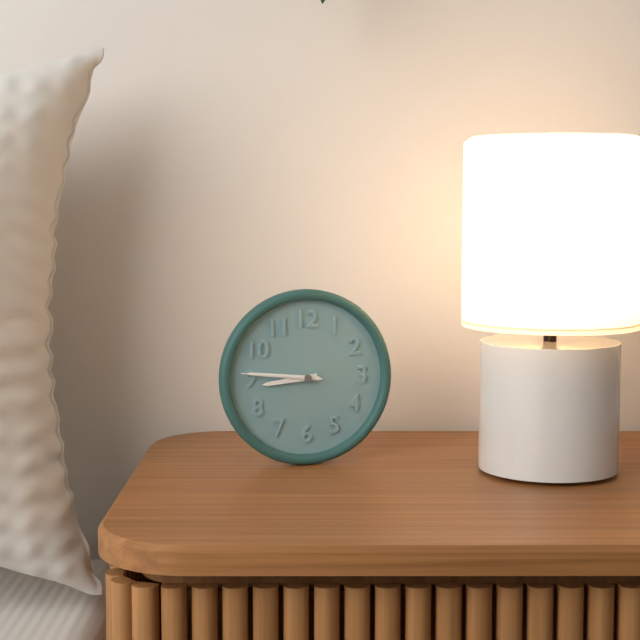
8:46:46
